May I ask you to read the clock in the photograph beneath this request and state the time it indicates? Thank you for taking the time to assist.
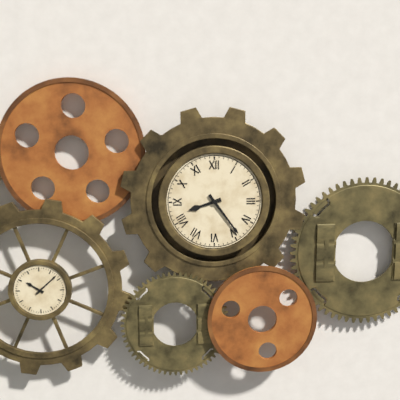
8:24
